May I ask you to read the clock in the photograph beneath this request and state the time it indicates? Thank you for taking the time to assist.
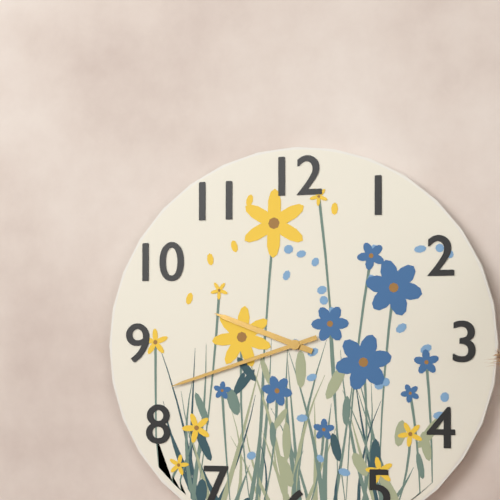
9:42
